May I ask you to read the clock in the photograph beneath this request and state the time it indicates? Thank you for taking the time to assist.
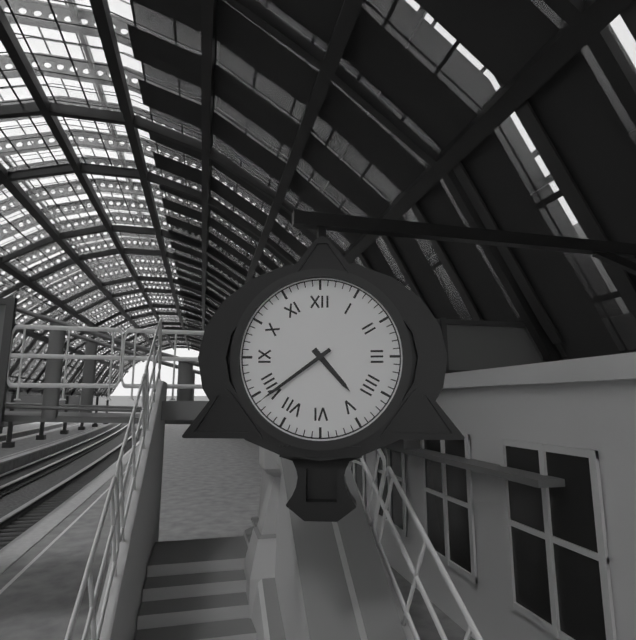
4:39
